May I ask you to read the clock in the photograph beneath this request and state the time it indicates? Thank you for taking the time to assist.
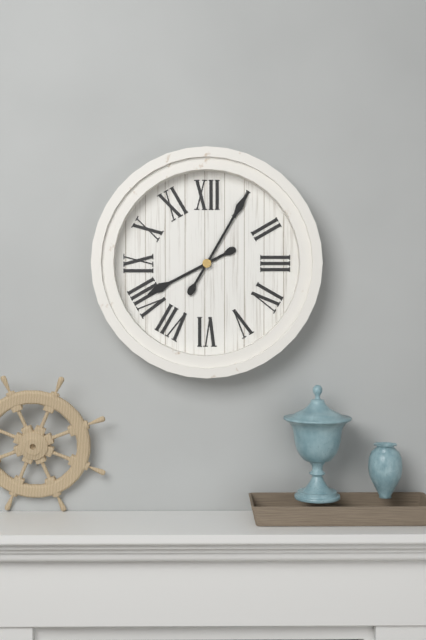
8:05
